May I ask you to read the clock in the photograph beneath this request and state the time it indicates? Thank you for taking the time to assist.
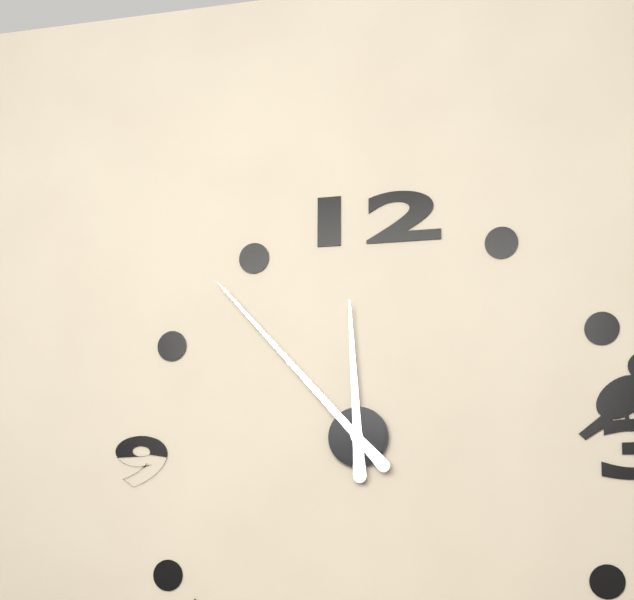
11:53
